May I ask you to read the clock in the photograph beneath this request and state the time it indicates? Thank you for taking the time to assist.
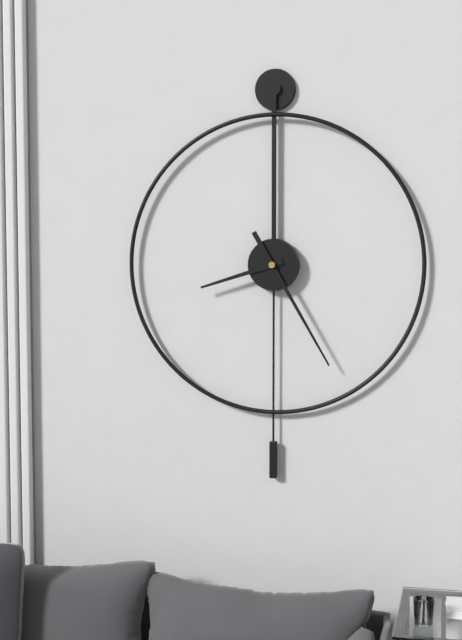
8:25
